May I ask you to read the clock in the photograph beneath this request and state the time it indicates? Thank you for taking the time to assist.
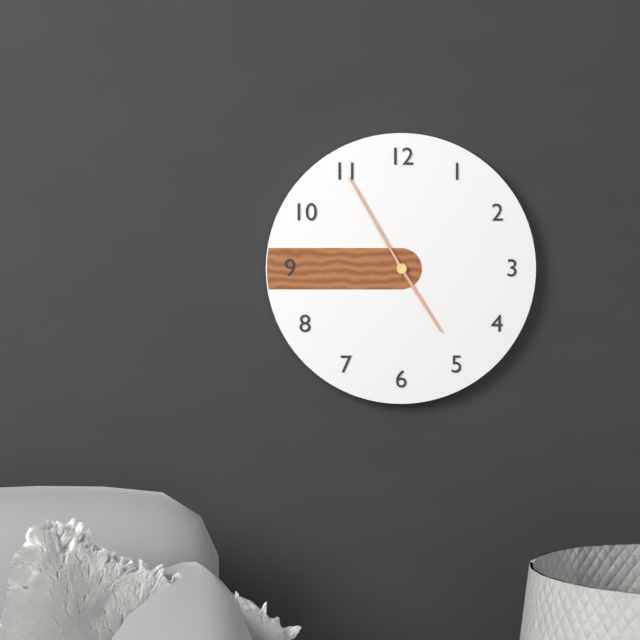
4:55
